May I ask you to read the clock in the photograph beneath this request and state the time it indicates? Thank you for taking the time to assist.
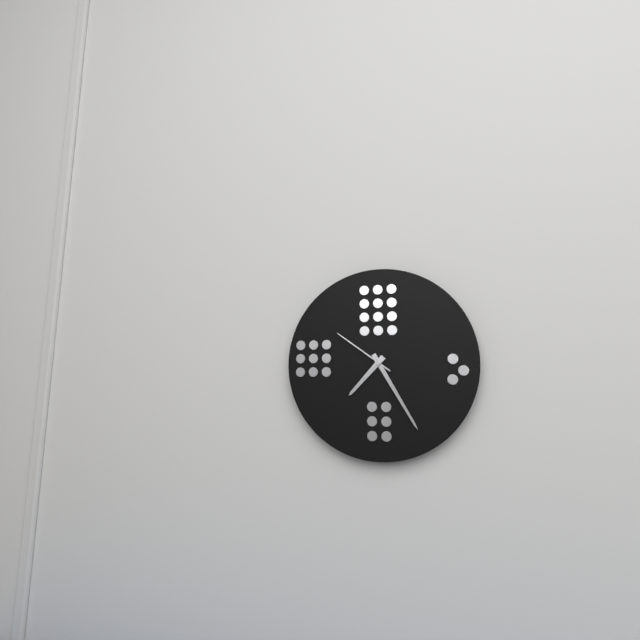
7:25:51
